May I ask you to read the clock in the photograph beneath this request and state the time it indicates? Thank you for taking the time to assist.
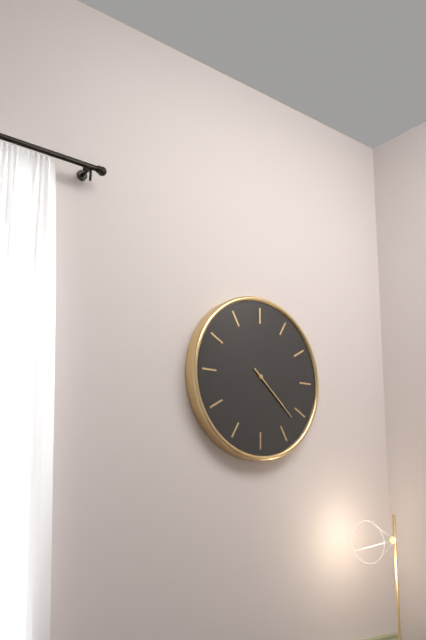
4:22
